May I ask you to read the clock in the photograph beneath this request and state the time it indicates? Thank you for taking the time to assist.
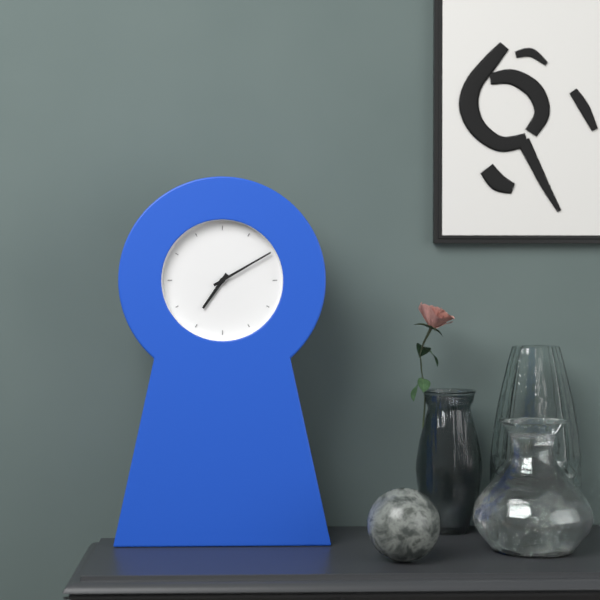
7:10
